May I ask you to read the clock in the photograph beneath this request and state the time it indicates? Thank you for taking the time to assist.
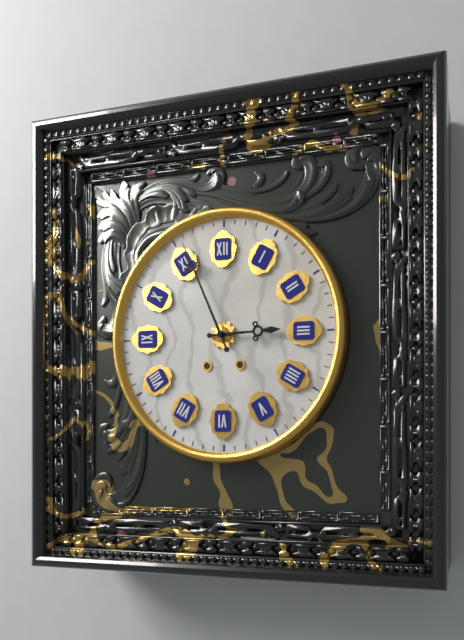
2:56
